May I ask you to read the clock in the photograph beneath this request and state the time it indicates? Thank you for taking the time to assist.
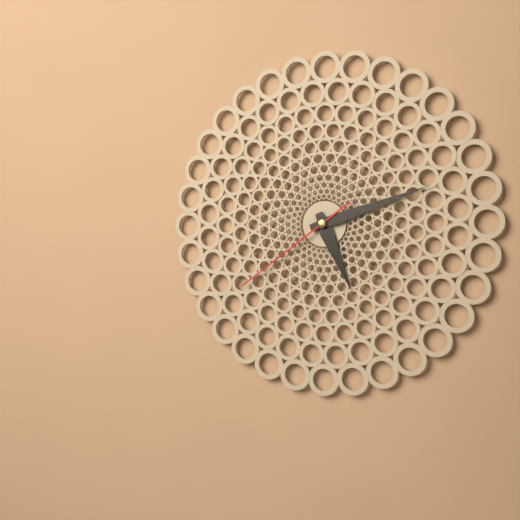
5:12:39
